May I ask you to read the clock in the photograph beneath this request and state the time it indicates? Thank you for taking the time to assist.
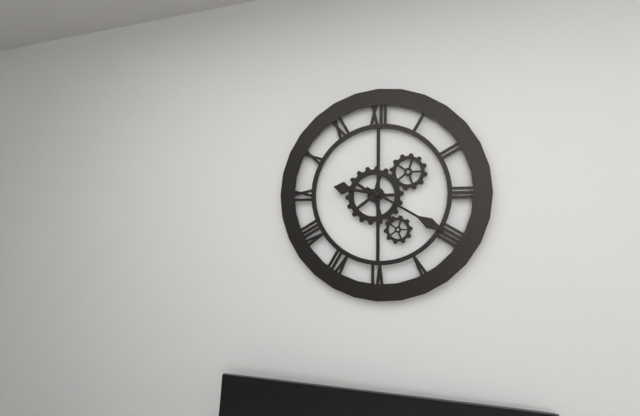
9:20
